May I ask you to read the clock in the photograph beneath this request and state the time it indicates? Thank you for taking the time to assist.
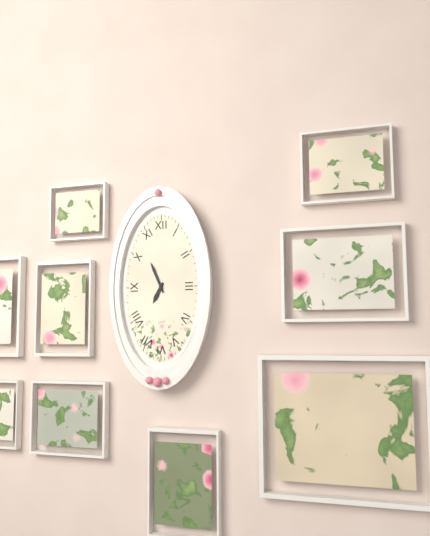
6:56
